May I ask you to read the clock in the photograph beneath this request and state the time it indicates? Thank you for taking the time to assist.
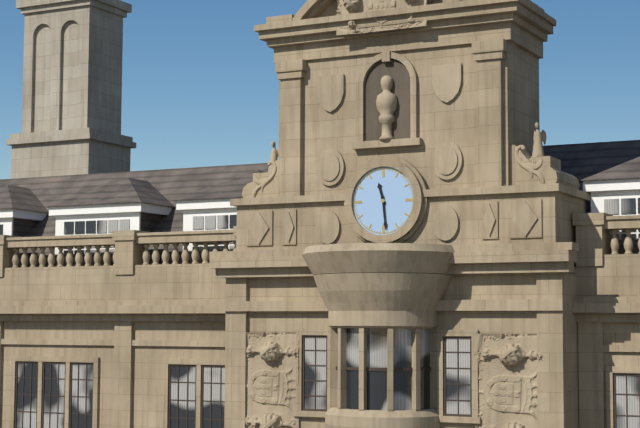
11:29
